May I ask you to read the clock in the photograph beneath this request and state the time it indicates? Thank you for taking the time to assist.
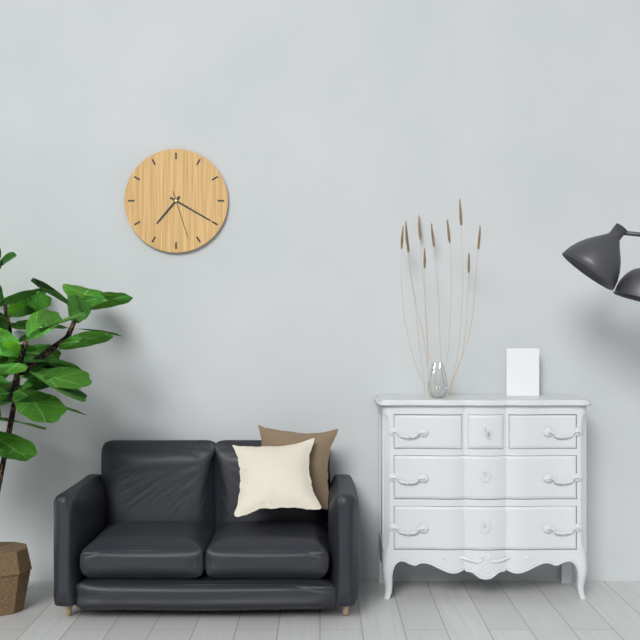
7:20
